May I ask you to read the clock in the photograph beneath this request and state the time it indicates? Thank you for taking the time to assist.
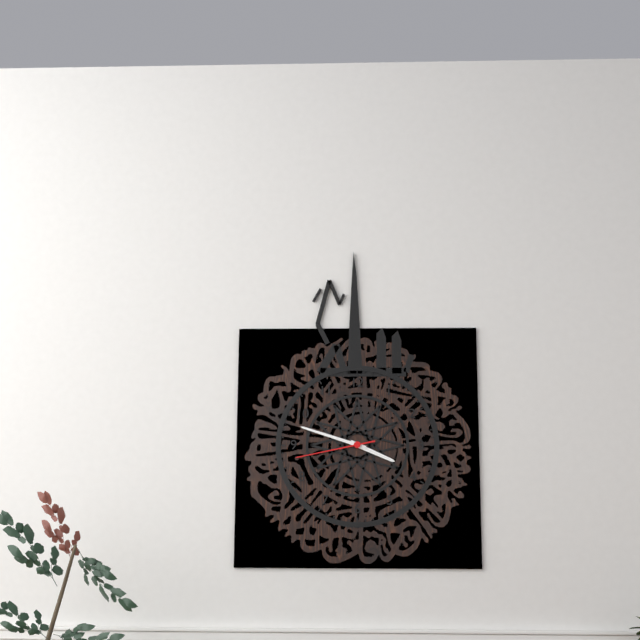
3:48:43
